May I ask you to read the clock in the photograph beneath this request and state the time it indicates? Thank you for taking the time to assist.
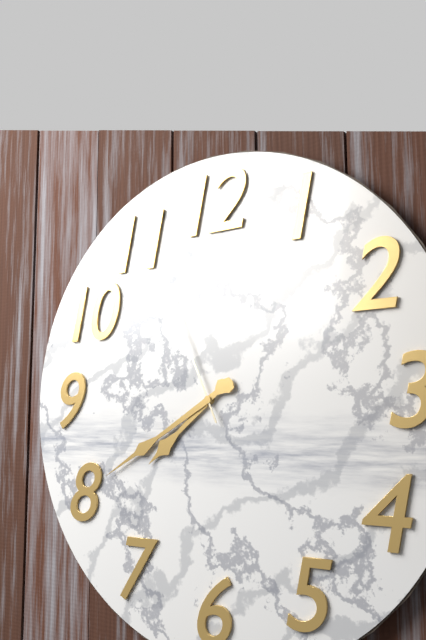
7:40:56
